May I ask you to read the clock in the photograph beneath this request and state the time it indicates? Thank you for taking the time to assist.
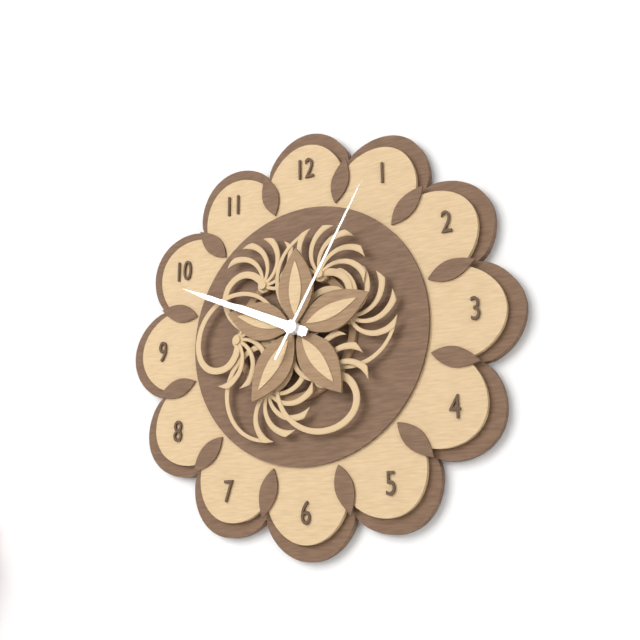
9:49:05
